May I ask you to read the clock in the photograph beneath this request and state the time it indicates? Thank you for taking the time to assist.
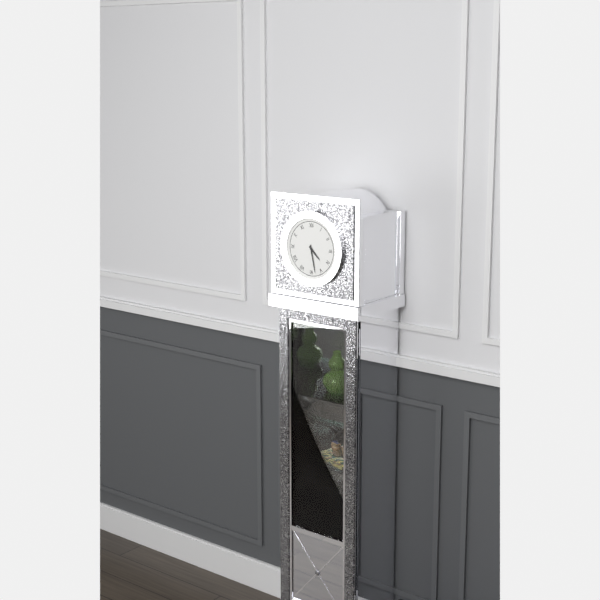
4:28
